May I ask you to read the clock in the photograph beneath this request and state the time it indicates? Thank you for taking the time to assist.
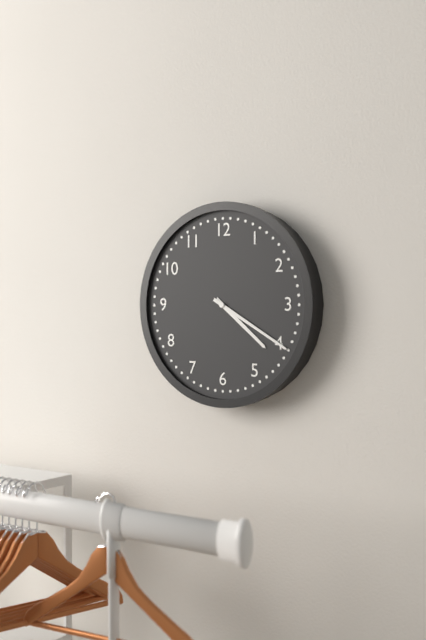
4:20
